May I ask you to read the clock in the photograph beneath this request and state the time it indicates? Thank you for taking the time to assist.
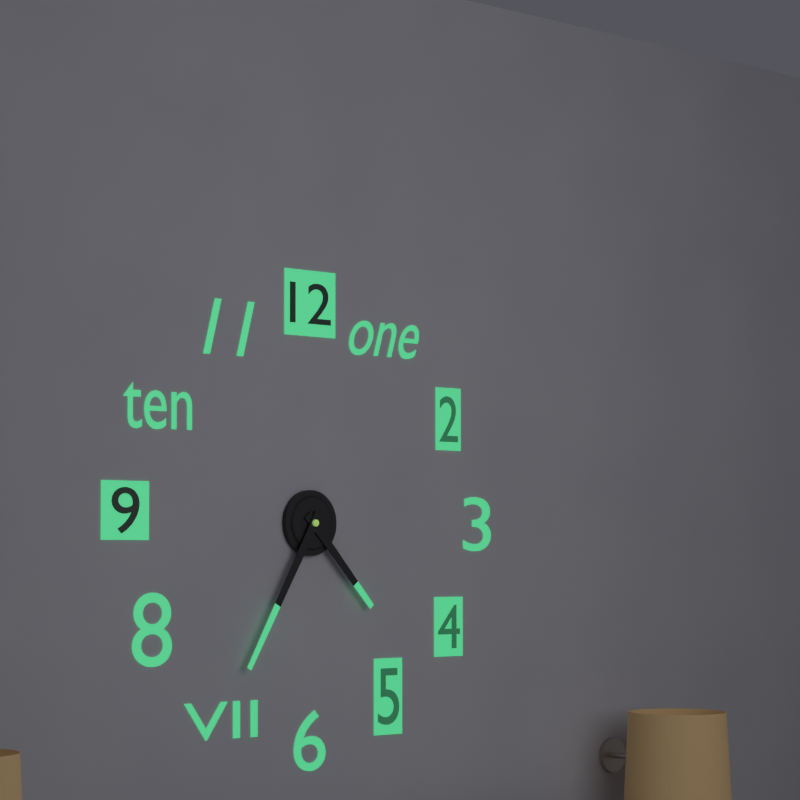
4:35
